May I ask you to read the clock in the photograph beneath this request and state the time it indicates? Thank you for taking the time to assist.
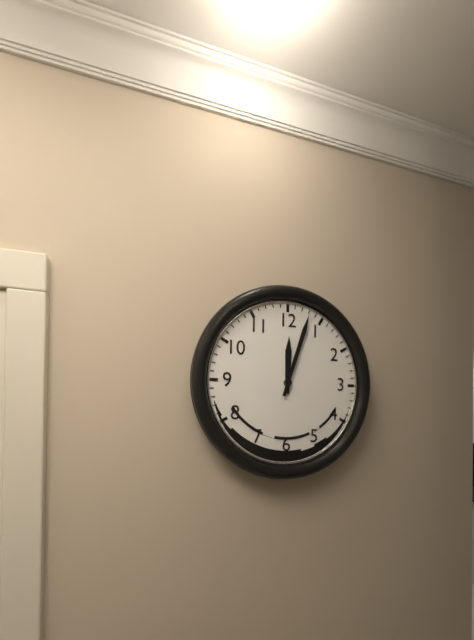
12:03
